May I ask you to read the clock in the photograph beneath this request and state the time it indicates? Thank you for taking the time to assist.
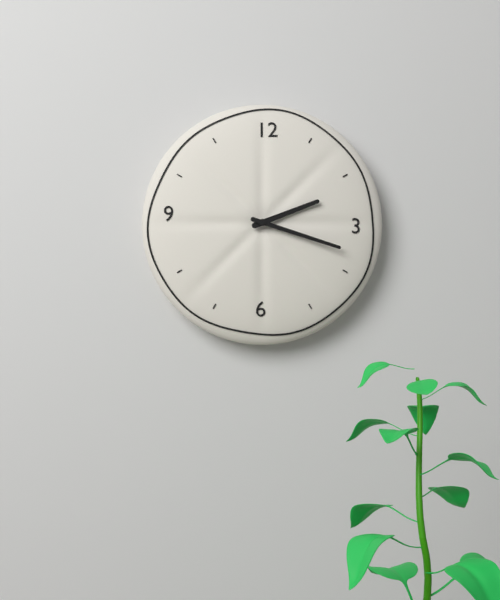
2:18
